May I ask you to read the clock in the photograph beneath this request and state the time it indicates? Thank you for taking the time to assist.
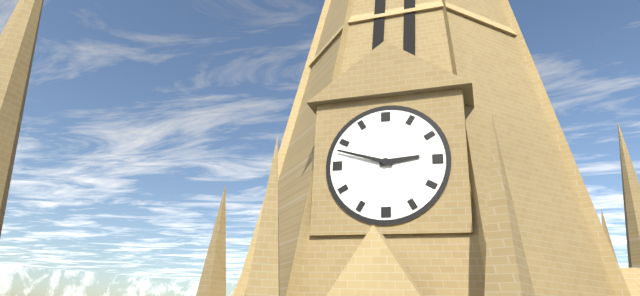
2:48
